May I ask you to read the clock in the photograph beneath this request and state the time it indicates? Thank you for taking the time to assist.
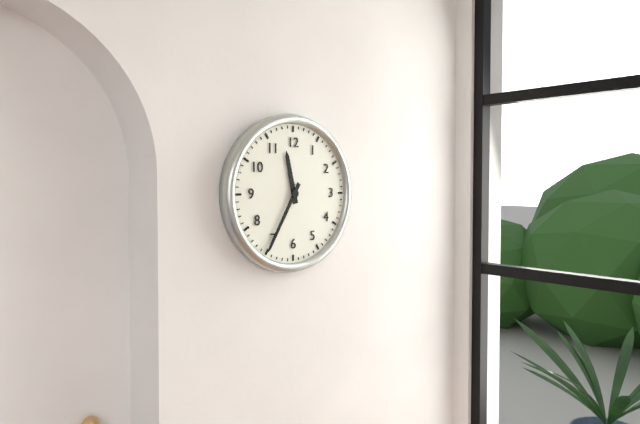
11:35
